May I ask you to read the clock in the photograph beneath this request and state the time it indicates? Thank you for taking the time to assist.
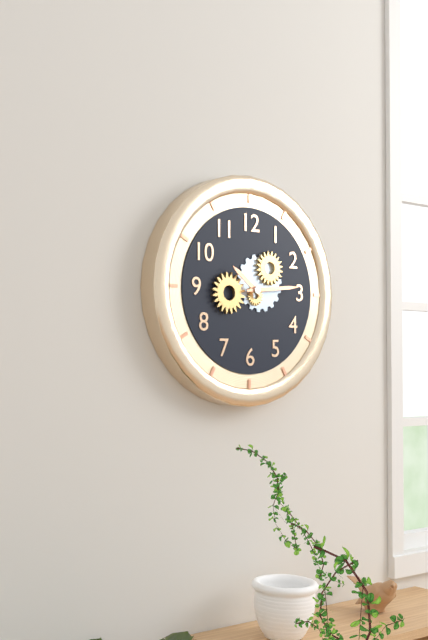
10:14
